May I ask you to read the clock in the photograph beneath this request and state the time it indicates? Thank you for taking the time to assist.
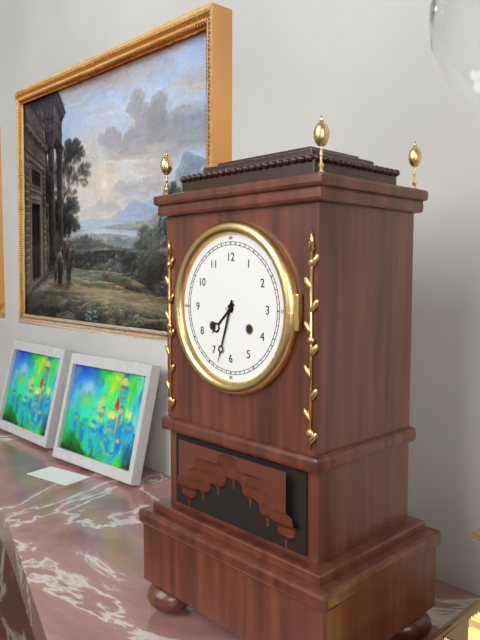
7:33
